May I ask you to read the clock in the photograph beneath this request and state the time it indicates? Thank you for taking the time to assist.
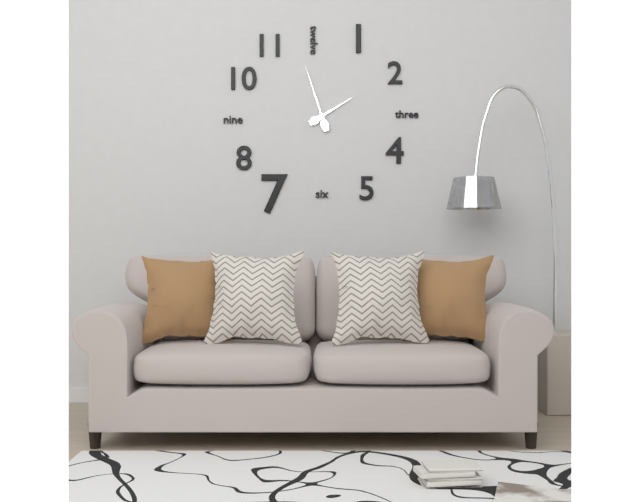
1:57
